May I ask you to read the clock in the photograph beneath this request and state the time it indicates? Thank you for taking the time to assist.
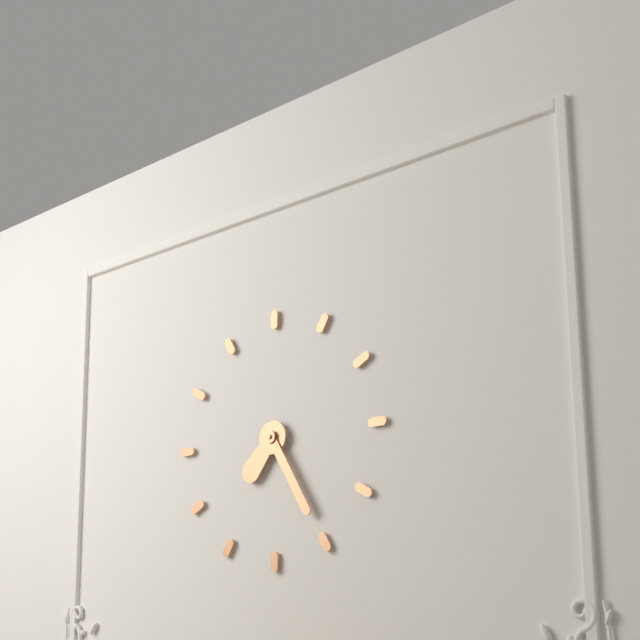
7:25
